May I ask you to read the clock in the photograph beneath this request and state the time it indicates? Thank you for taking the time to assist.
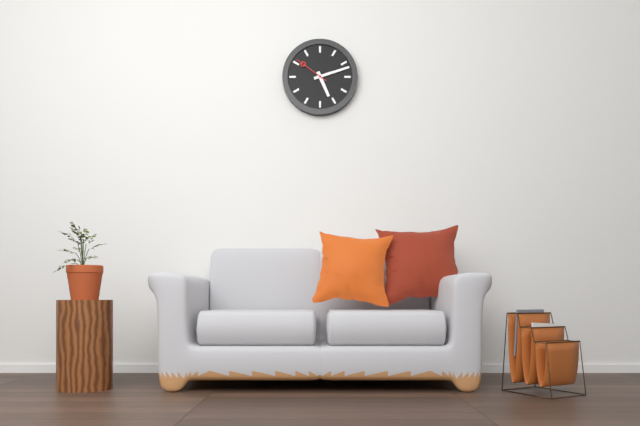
5:12
